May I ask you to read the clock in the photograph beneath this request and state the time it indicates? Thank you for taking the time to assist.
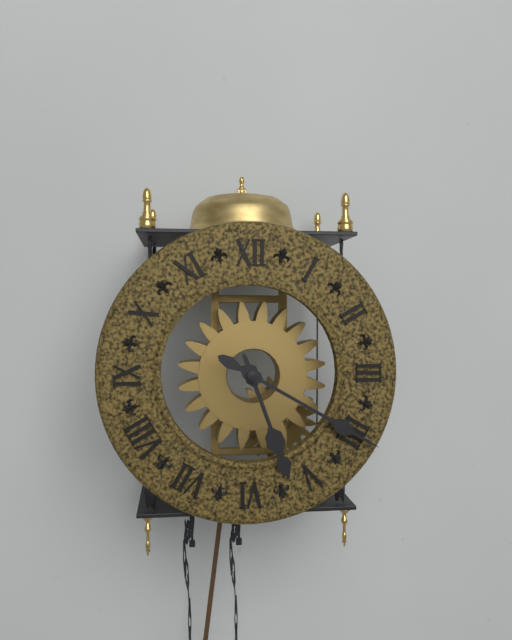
5:20
